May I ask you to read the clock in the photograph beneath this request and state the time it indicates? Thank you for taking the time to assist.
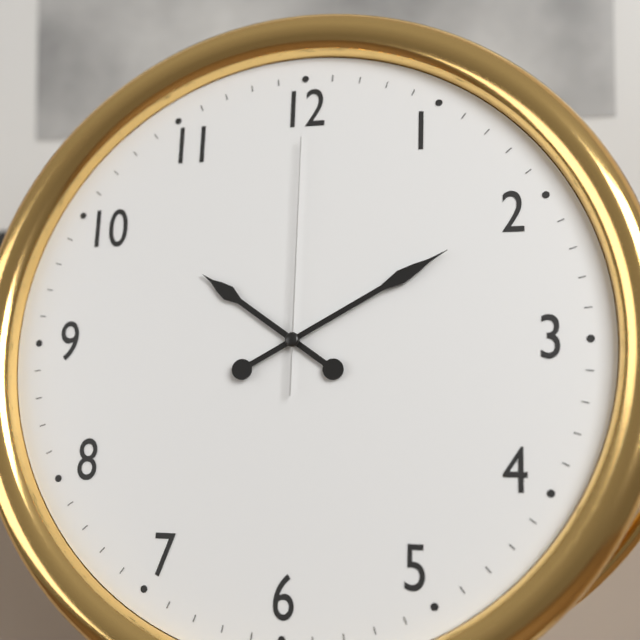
10:10:00
